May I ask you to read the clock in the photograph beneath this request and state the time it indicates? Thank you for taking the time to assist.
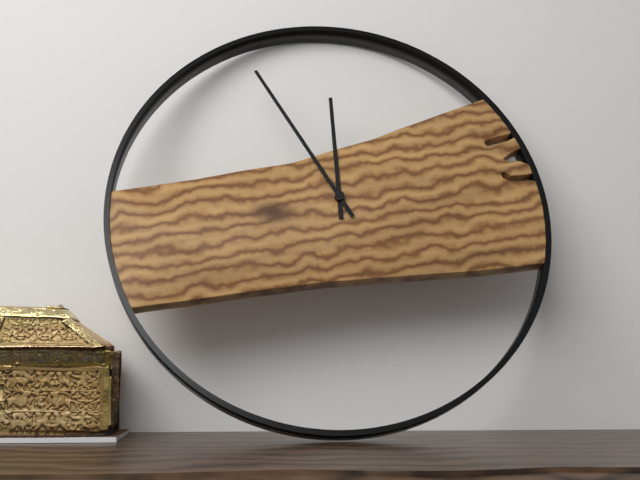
11:55
